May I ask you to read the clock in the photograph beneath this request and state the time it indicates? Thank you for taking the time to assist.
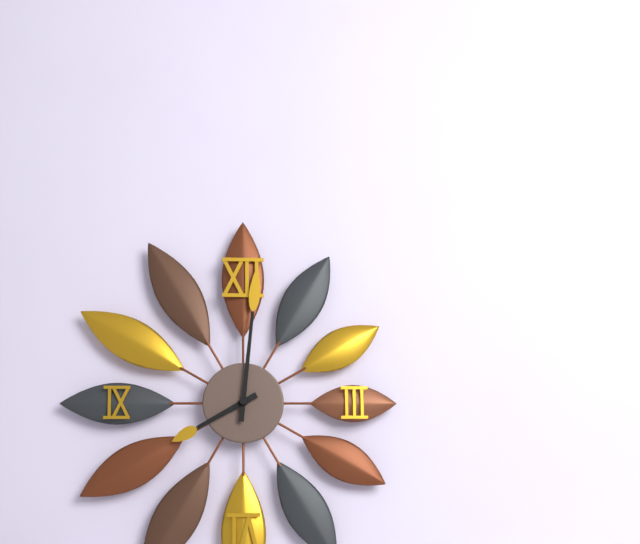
8:01
